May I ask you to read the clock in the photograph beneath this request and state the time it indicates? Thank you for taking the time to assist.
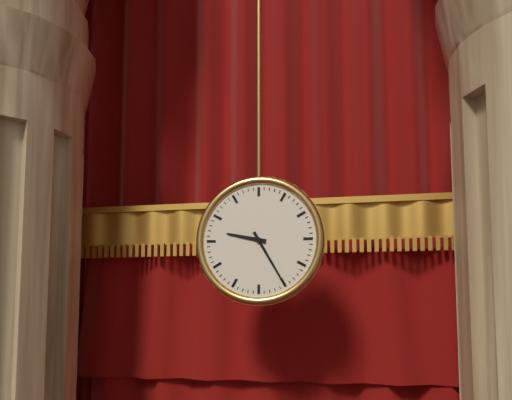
9:25
